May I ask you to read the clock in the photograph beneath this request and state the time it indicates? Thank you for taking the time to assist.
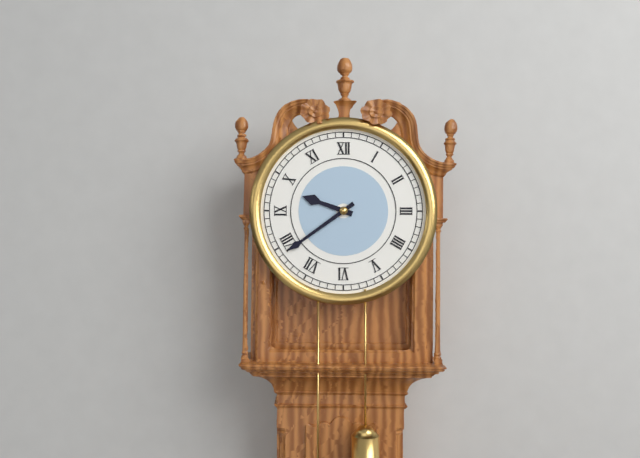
9:39
